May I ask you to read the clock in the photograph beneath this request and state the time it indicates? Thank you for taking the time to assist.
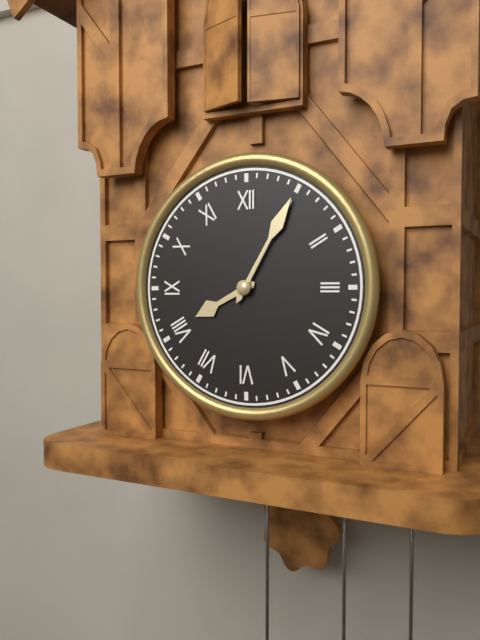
8:05
